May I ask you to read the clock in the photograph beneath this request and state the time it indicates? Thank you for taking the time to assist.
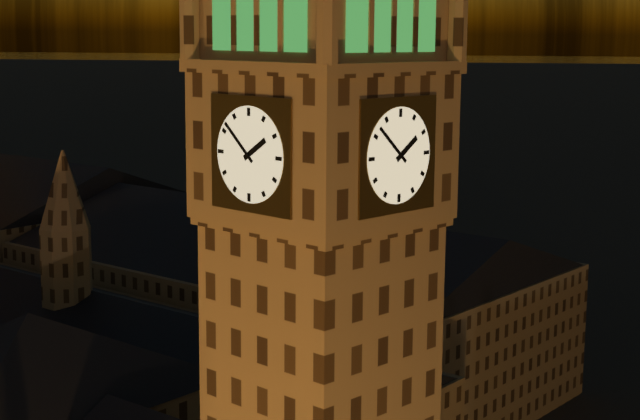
1:52
